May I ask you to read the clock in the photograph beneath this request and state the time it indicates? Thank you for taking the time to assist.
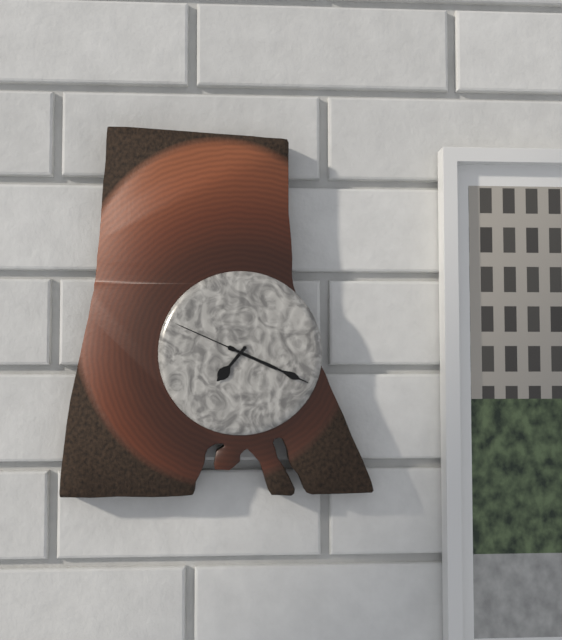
7:19:49
